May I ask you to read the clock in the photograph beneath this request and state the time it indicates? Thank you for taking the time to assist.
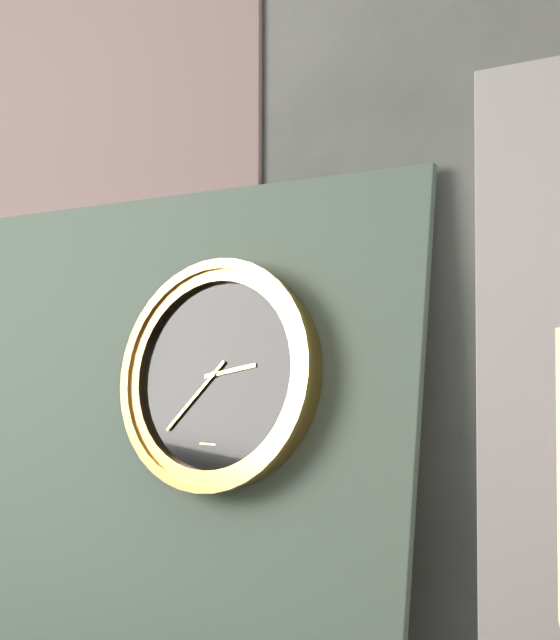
2:37
